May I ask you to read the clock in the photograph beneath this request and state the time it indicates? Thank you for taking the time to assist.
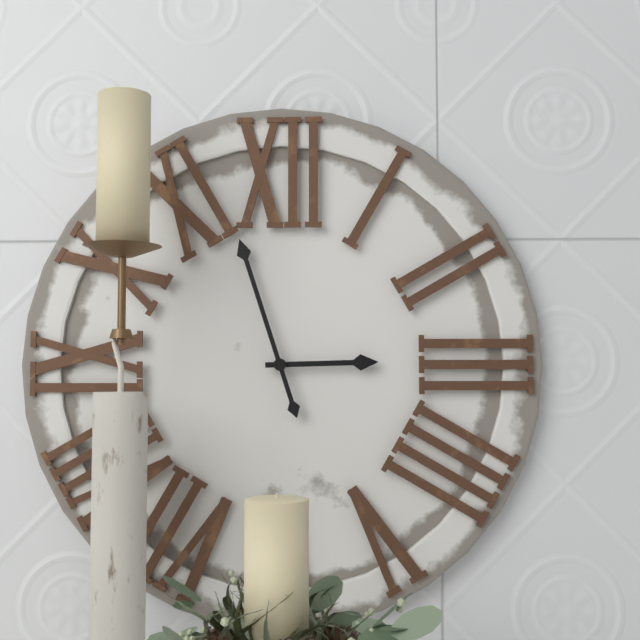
2:57
